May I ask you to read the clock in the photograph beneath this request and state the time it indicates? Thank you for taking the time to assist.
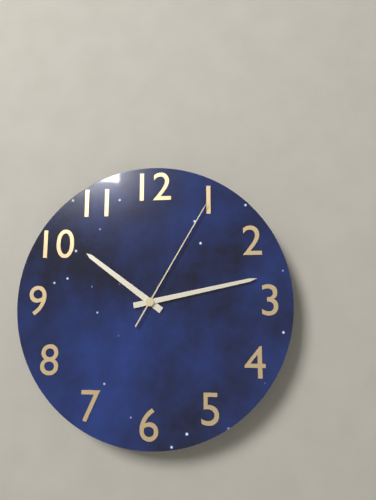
10:13:05
